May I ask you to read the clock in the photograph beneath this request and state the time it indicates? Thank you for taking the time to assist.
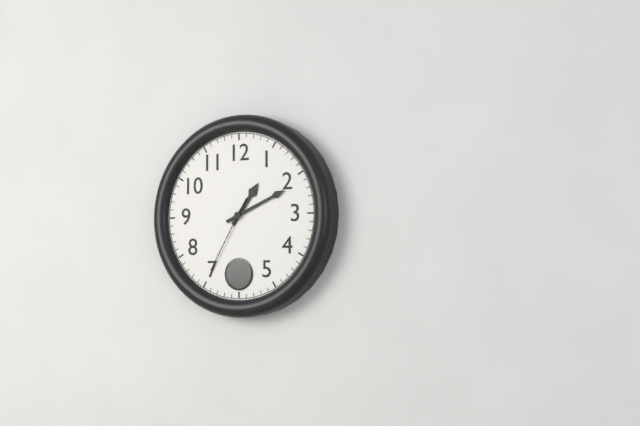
1:11:35
